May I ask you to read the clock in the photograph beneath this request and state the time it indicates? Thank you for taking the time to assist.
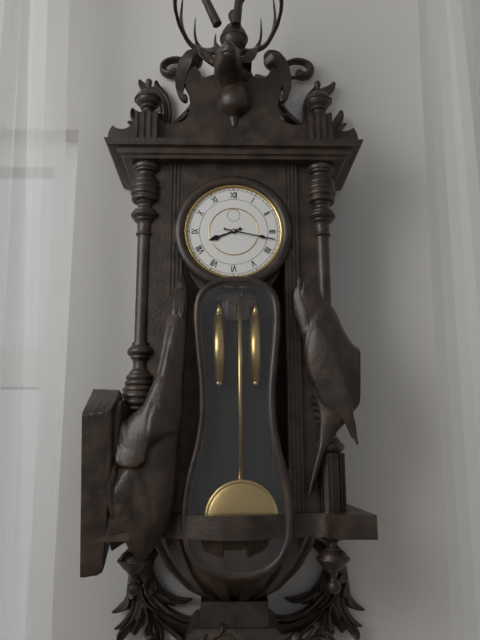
8:17
